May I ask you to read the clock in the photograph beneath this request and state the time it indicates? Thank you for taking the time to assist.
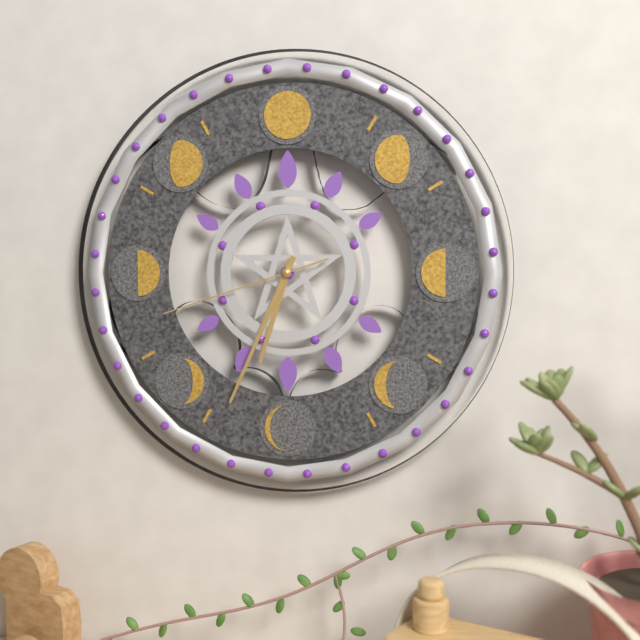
6:34:42
